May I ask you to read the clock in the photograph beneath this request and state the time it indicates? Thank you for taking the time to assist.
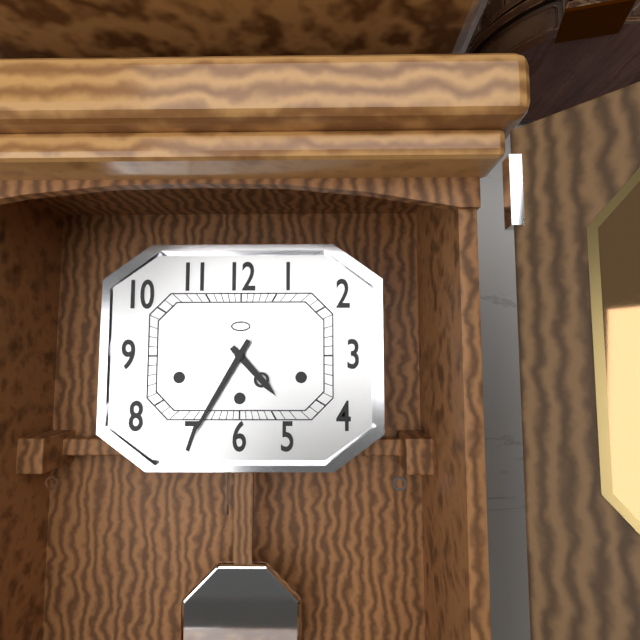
4:35
